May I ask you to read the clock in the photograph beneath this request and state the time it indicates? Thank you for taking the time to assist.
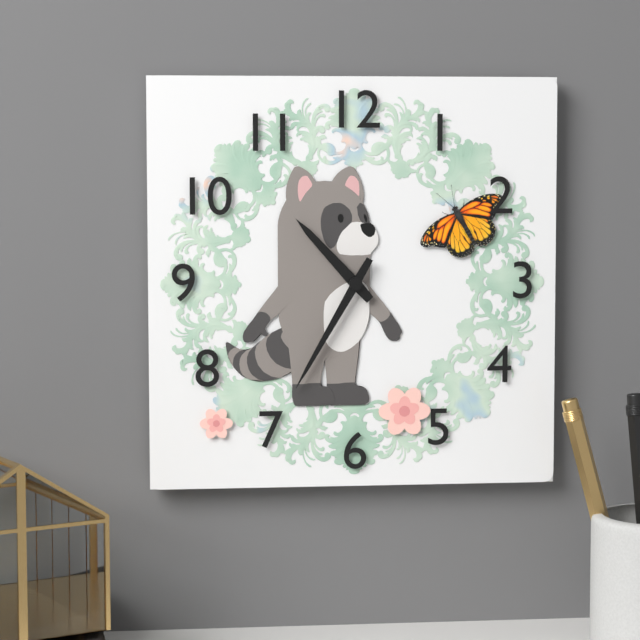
10:35
